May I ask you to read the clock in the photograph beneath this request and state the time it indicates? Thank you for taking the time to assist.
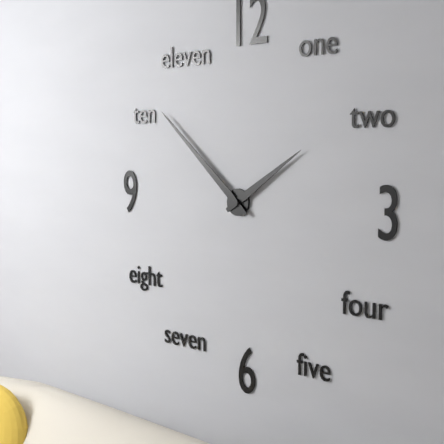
1:52
